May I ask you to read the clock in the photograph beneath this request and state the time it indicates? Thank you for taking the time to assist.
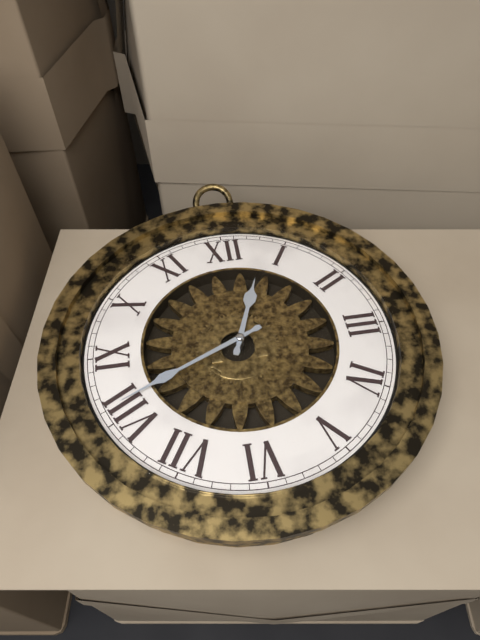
12:41
